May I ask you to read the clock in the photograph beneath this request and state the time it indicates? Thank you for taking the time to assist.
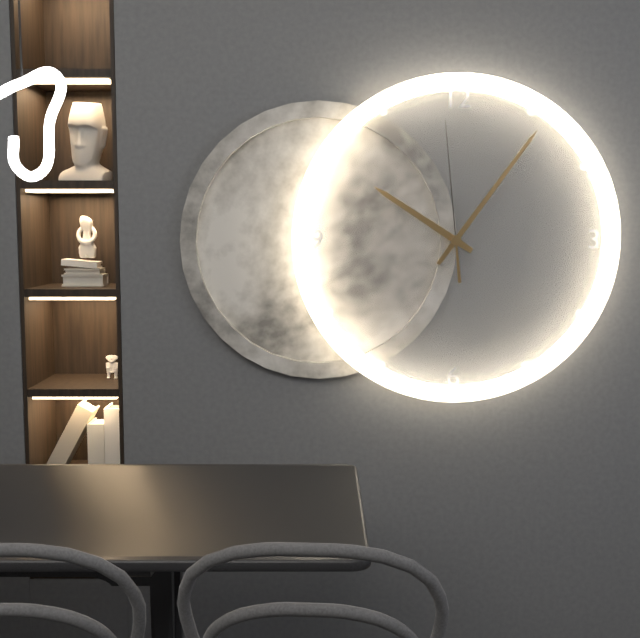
10:06:59
